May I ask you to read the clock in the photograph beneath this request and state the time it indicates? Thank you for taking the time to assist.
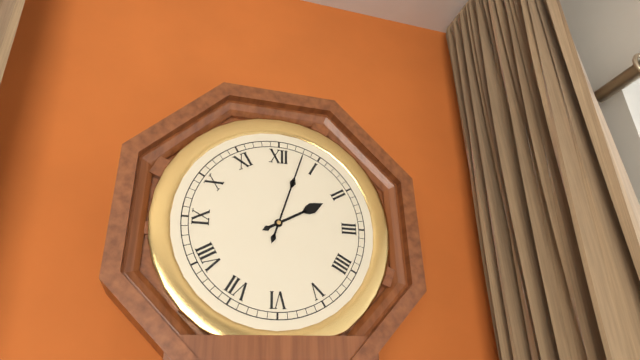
2:03
